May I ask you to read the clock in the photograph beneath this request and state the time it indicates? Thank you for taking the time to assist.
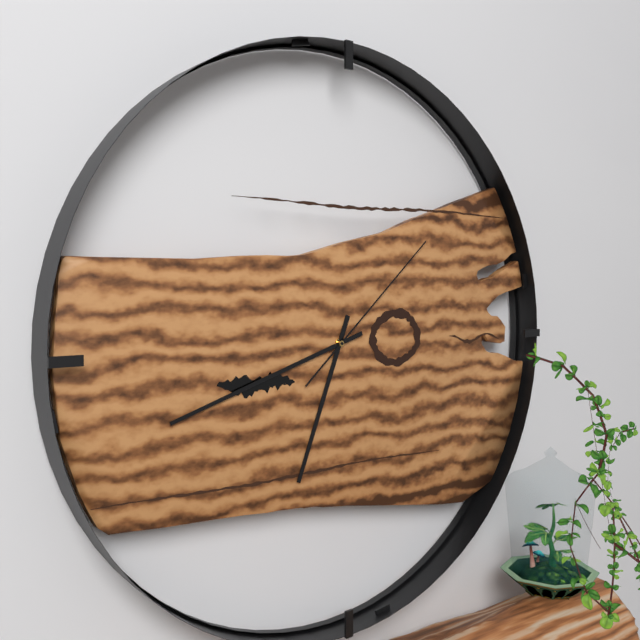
6:42:08
